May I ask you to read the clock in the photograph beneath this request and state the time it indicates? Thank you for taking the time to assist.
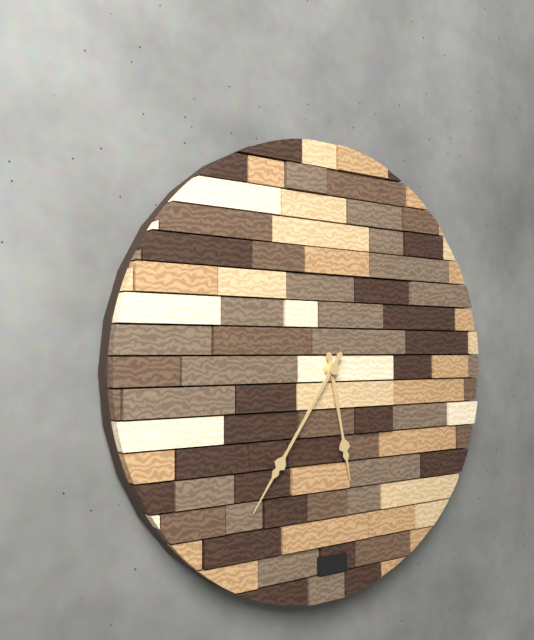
5:36
